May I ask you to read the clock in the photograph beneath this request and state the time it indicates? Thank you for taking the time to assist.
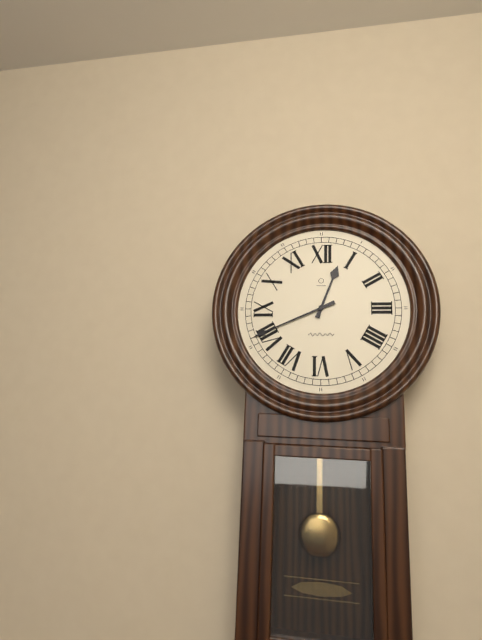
12:41
